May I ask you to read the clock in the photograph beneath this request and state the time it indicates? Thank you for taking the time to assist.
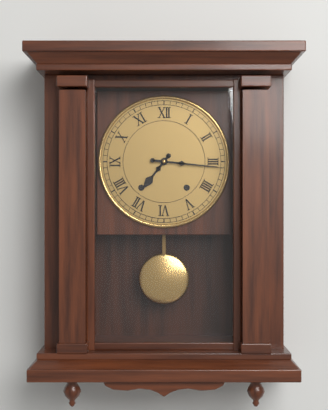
7:16
